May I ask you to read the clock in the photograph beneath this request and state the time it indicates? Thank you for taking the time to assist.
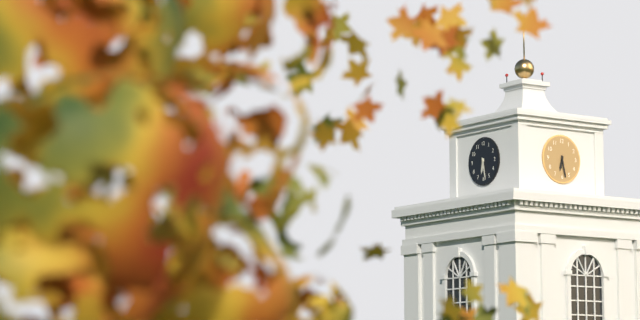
6:28
